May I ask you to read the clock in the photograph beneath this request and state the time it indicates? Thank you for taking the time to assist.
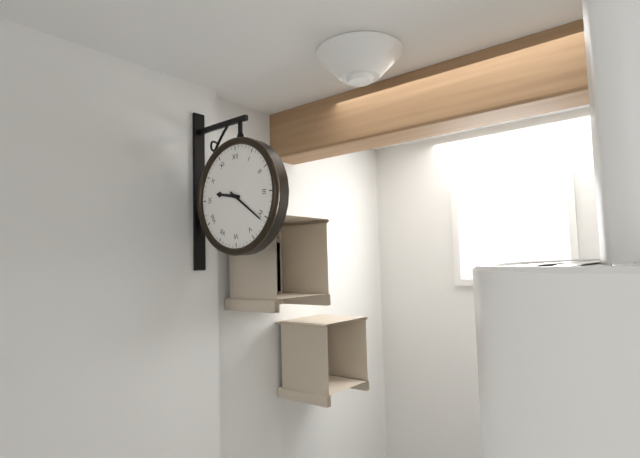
9:21
